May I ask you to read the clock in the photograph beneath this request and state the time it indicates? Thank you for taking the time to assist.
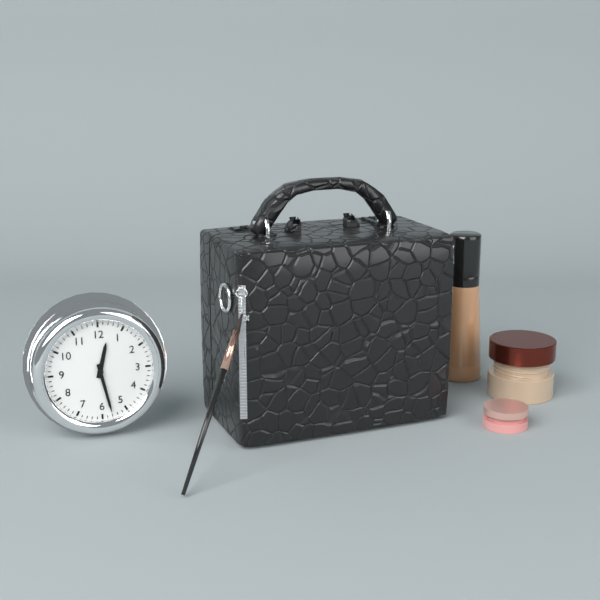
12:28
